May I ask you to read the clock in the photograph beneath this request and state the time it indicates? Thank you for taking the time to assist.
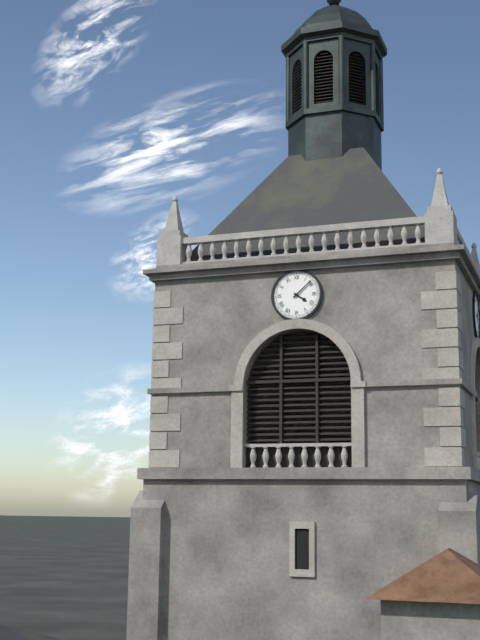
4:08
